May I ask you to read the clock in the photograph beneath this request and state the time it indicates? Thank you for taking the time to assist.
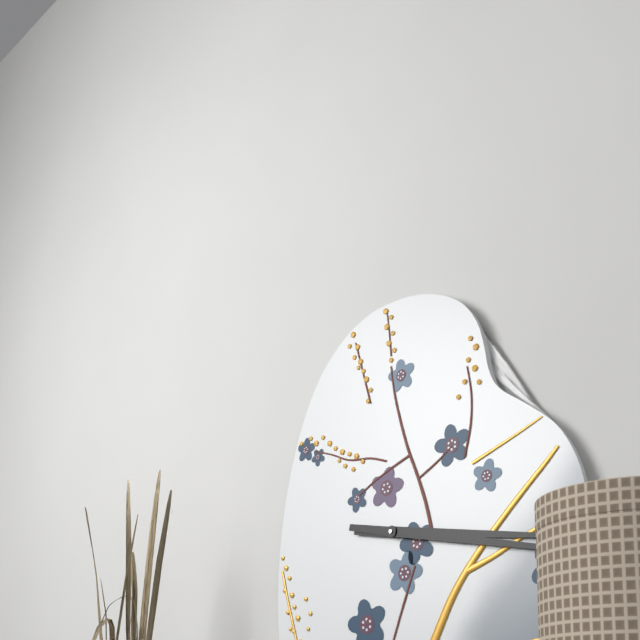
3:17
